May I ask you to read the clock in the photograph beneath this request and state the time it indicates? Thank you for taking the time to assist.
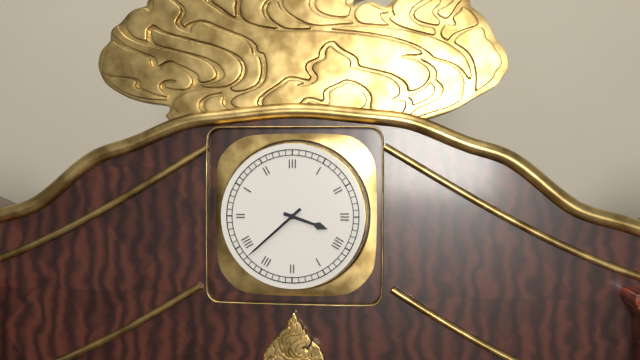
3:38
